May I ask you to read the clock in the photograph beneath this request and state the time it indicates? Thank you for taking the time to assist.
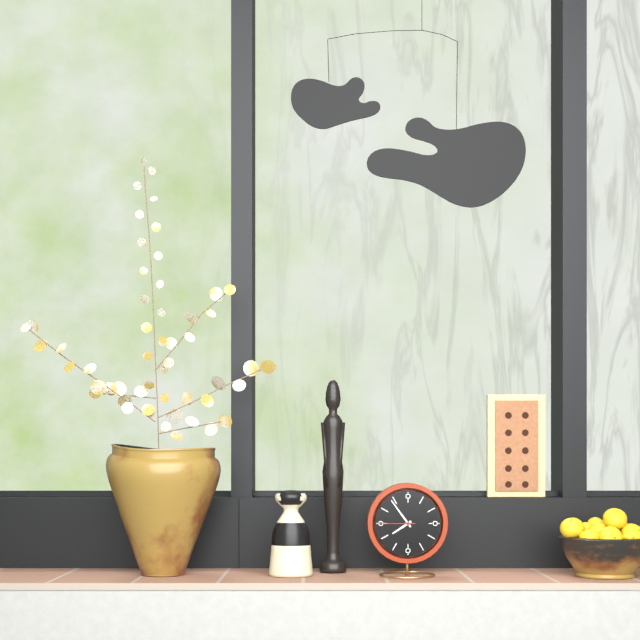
7:54
